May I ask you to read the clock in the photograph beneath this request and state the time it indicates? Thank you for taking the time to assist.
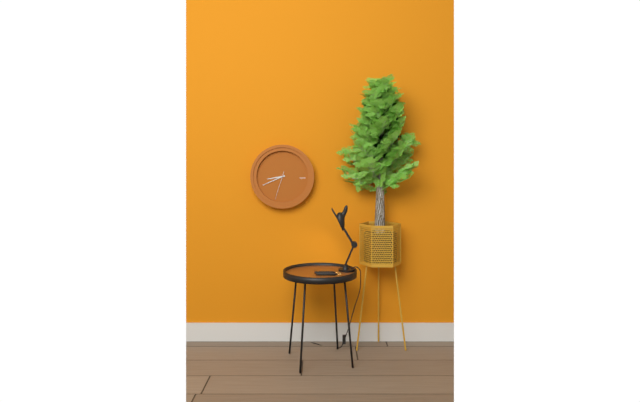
8:41
